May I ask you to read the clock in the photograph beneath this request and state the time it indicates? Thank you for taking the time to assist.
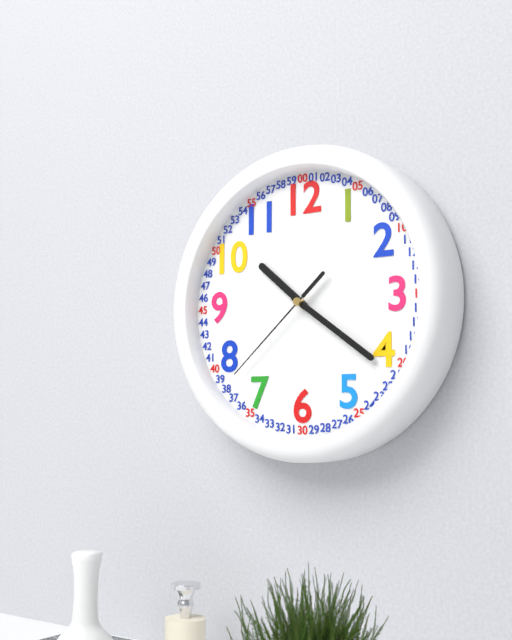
10:21:38
